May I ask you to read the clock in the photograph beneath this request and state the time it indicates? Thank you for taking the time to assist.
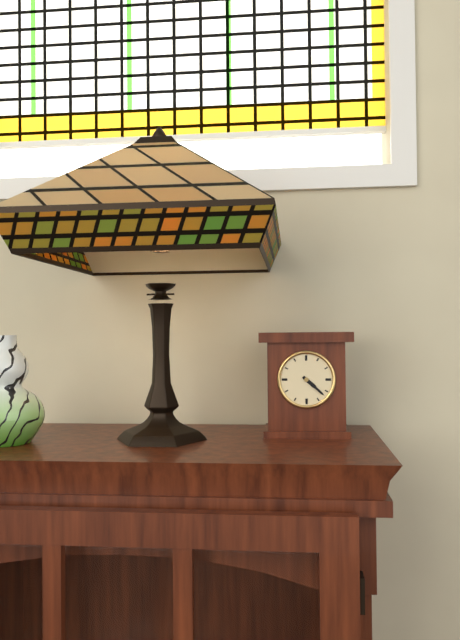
4:22
